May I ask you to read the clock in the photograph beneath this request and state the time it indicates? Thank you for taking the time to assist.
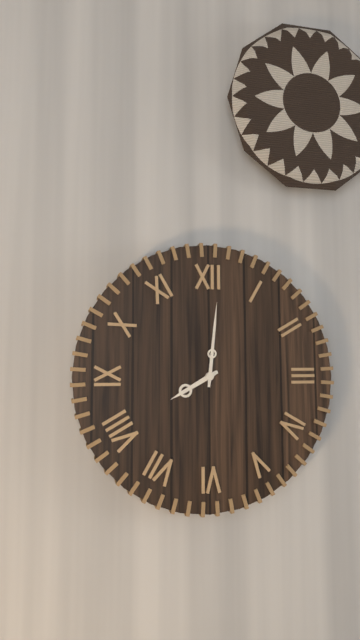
8:01
